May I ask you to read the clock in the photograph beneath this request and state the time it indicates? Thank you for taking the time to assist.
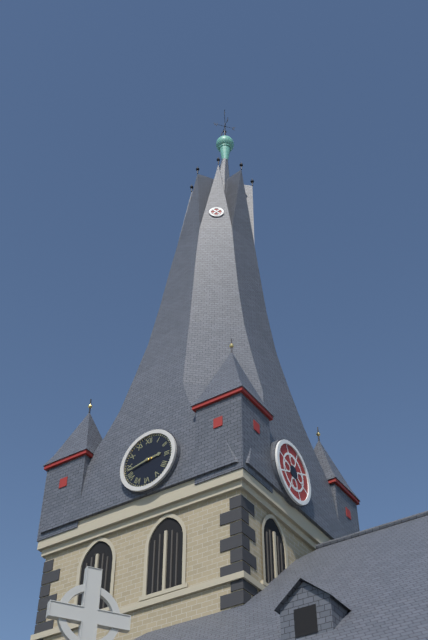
2:43
